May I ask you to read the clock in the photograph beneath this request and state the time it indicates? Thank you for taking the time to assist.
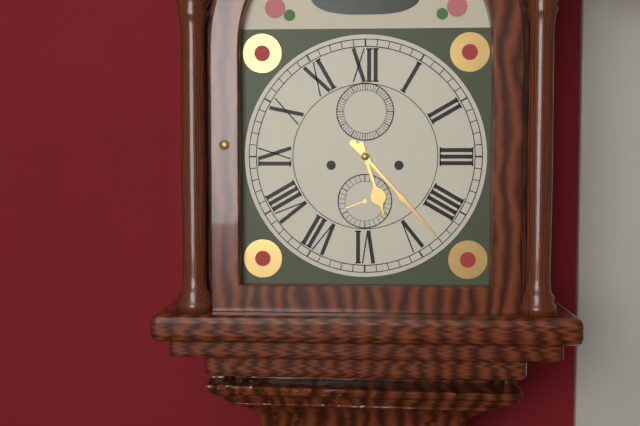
5:23
